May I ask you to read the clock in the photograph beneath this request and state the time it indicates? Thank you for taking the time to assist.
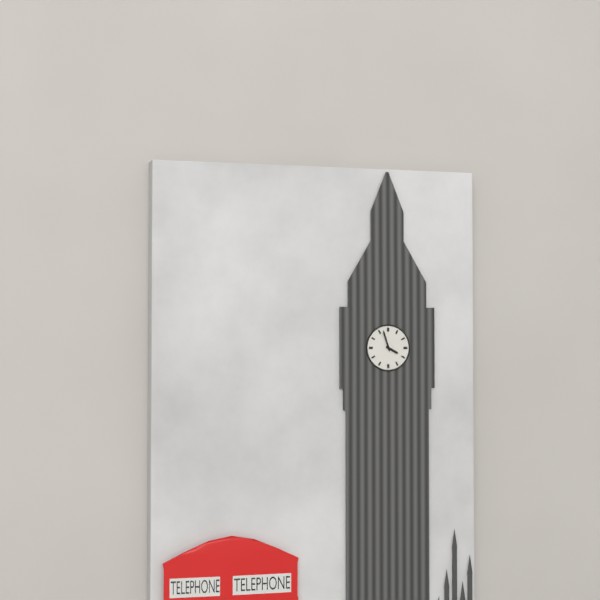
3:57
